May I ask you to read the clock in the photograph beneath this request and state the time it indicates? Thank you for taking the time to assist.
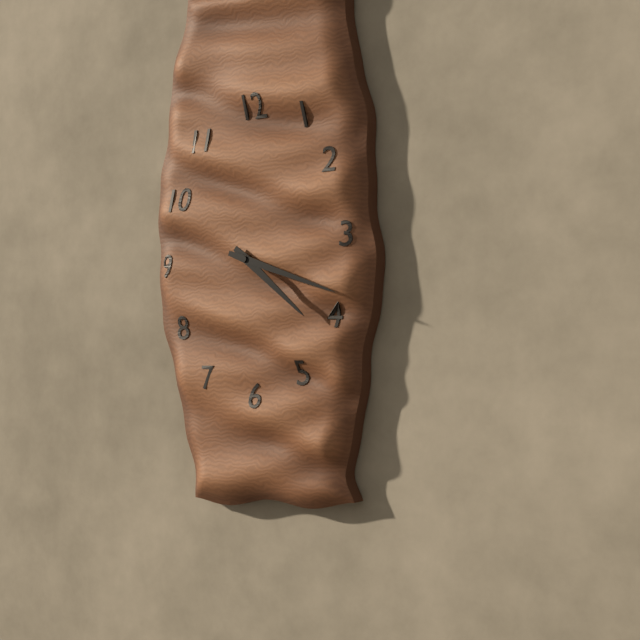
4:18
